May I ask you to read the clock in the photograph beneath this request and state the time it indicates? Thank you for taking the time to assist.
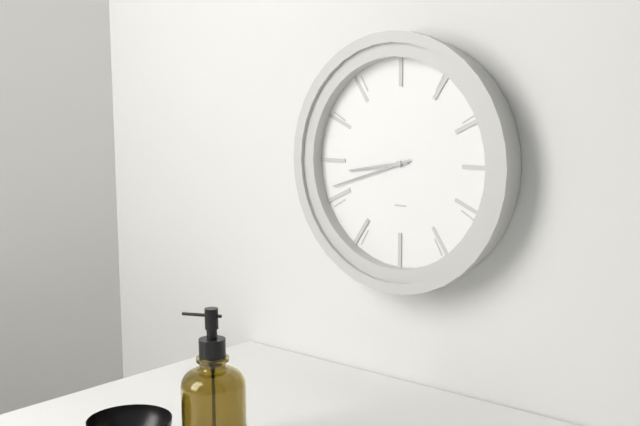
8:42
